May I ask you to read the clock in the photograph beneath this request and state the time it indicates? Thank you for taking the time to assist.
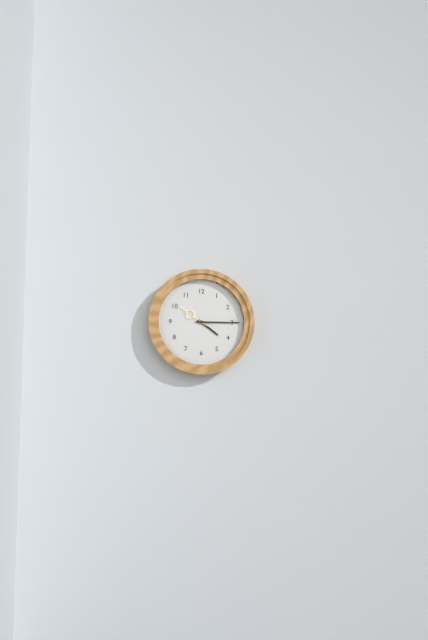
4:15
